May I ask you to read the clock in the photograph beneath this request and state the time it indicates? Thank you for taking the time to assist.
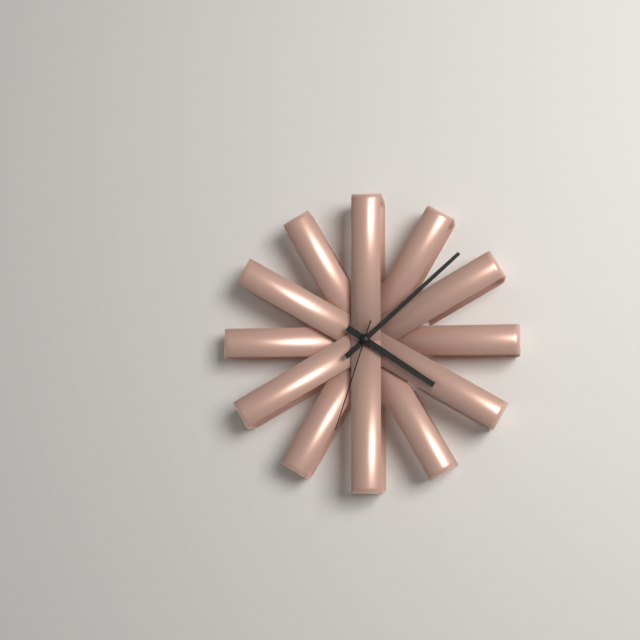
4:08:33
